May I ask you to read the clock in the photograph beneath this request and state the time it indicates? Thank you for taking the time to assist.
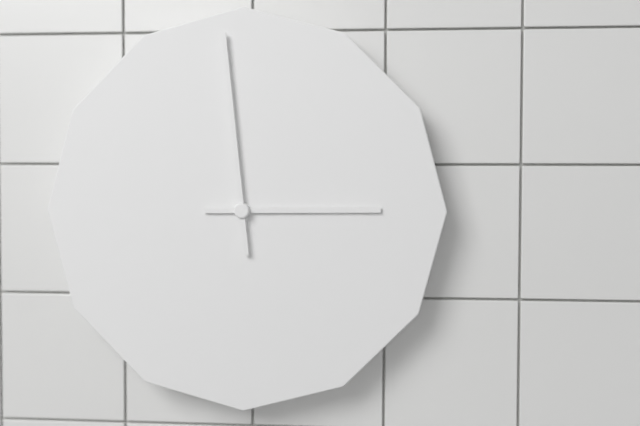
2:59
